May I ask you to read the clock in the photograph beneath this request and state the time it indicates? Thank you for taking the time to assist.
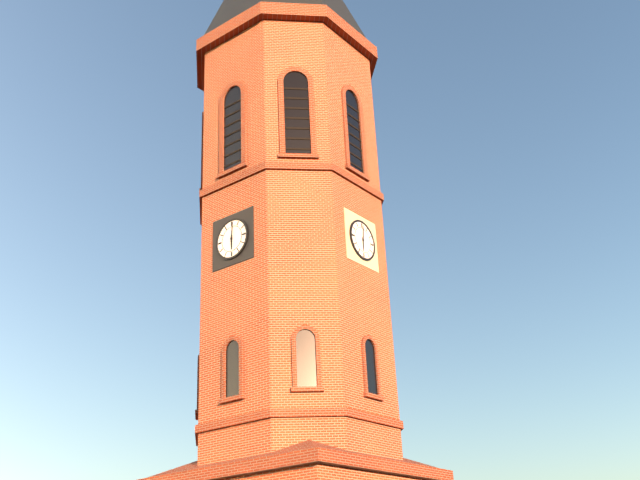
6:01
